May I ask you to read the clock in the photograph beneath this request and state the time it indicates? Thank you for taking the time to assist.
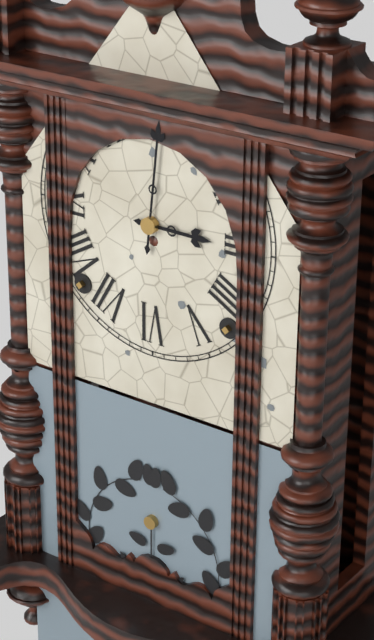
3:01
